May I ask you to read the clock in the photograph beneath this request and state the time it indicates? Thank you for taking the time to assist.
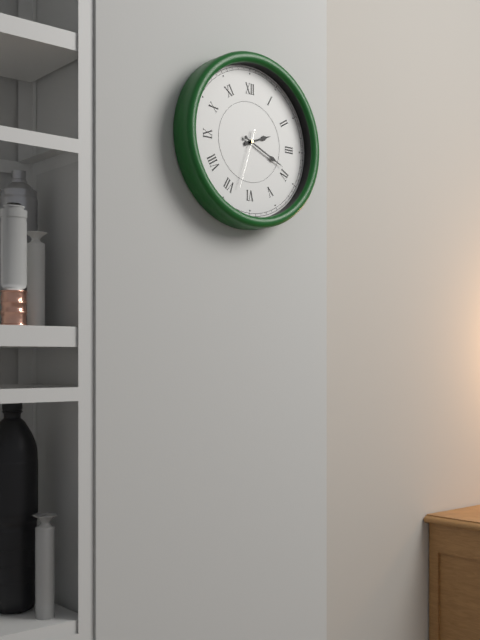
2:19:33
